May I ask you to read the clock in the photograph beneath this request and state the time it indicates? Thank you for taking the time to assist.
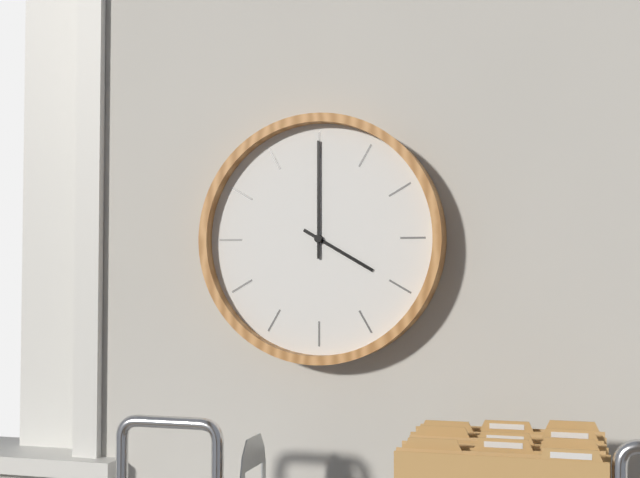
4:00
